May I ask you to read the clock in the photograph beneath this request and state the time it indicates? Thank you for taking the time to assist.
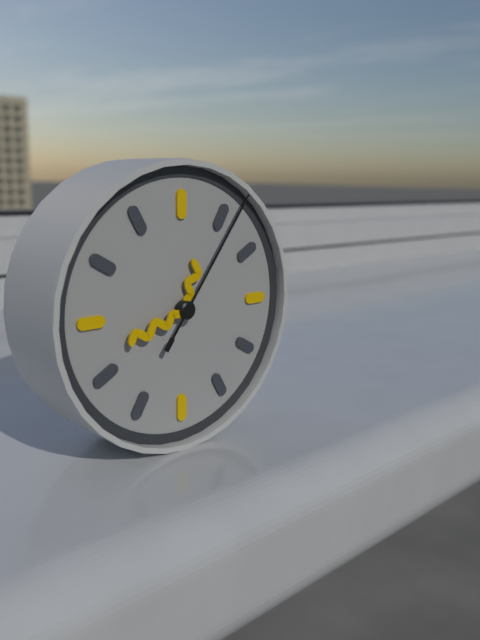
12:42:06
